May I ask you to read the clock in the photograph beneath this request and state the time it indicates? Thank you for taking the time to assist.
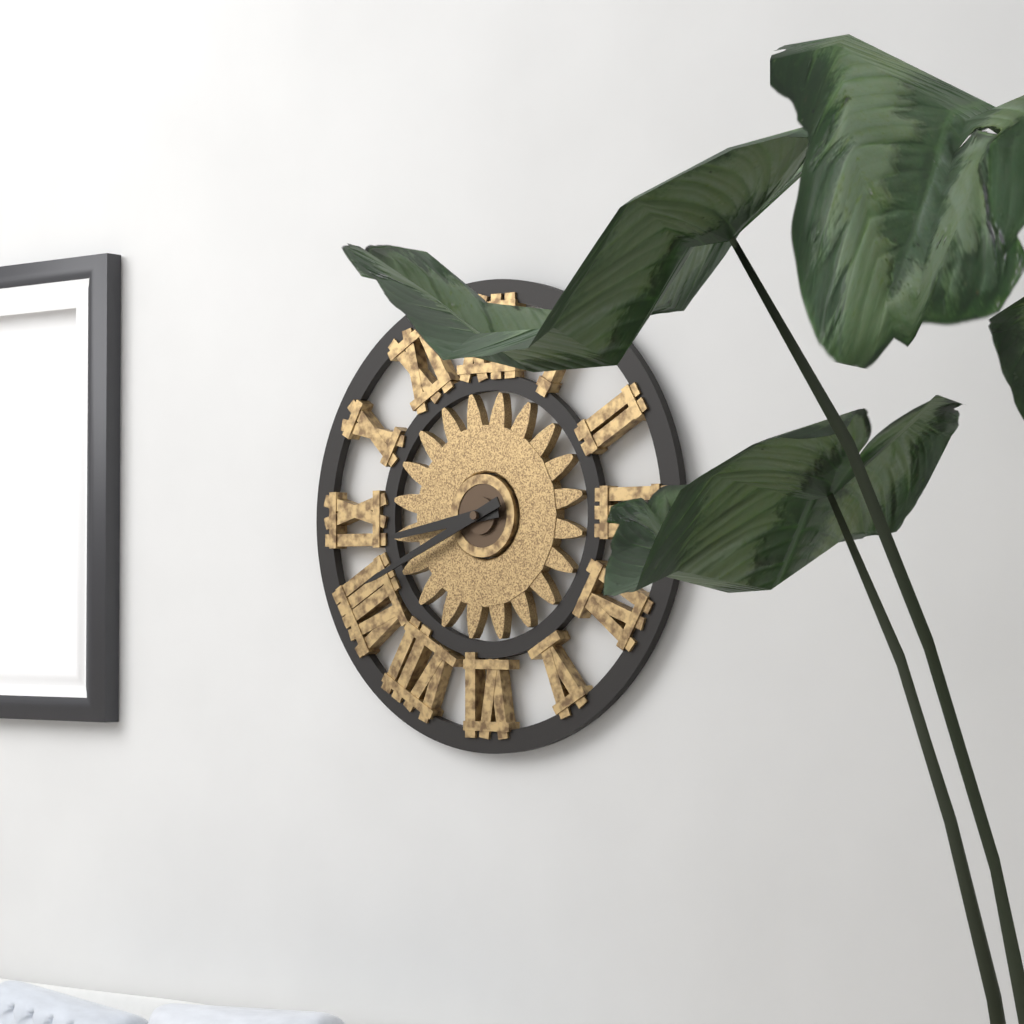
8:41
